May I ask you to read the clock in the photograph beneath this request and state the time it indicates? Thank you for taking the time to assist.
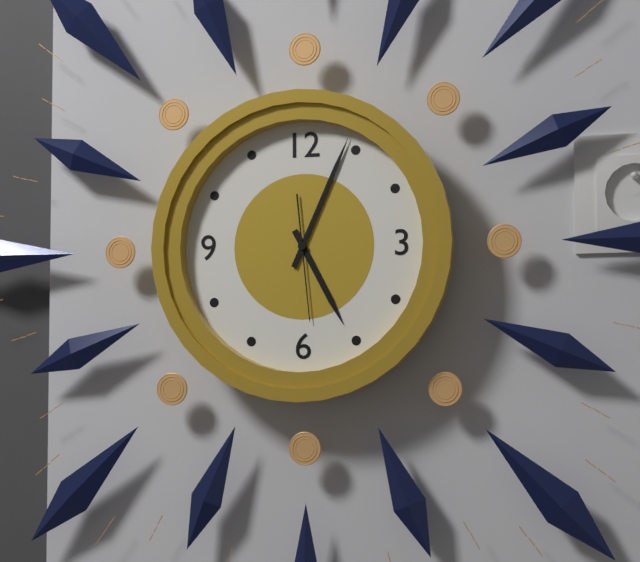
5:04:29
